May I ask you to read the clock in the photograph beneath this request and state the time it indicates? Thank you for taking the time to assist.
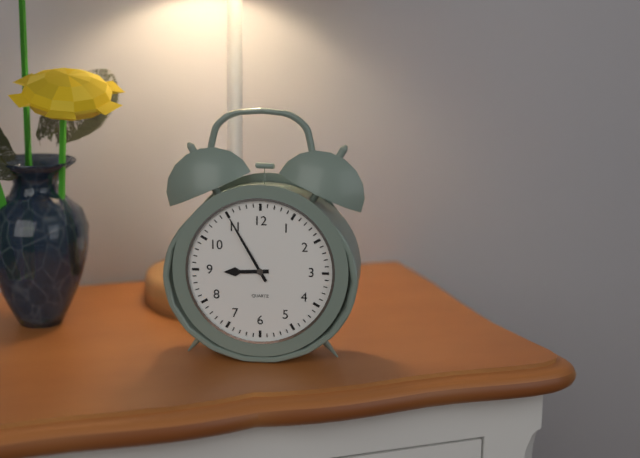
8:55
